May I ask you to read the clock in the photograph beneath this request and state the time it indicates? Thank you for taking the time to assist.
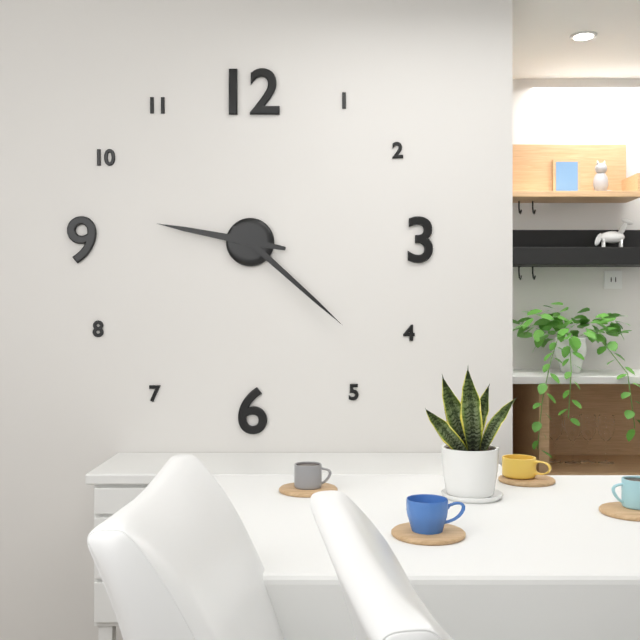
9:22
